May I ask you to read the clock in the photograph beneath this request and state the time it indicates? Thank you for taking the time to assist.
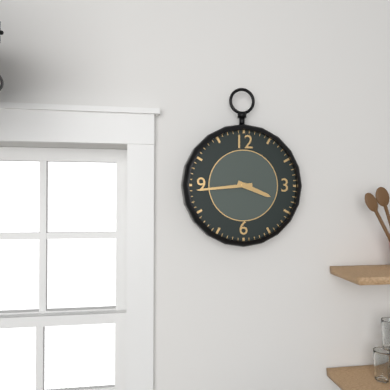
3:44
